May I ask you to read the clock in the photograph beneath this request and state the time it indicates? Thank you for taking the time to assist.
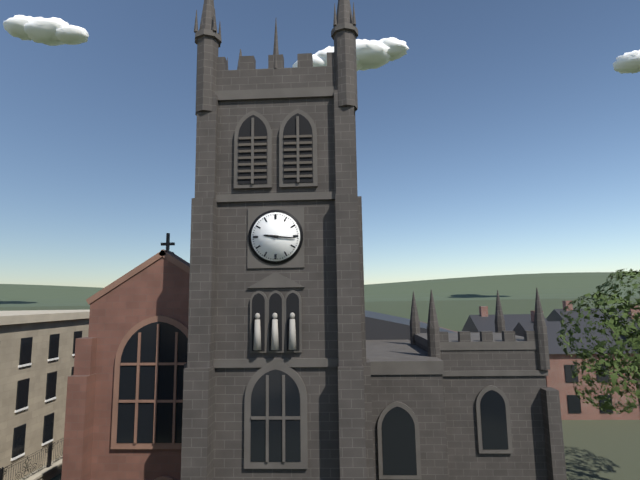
9:16
